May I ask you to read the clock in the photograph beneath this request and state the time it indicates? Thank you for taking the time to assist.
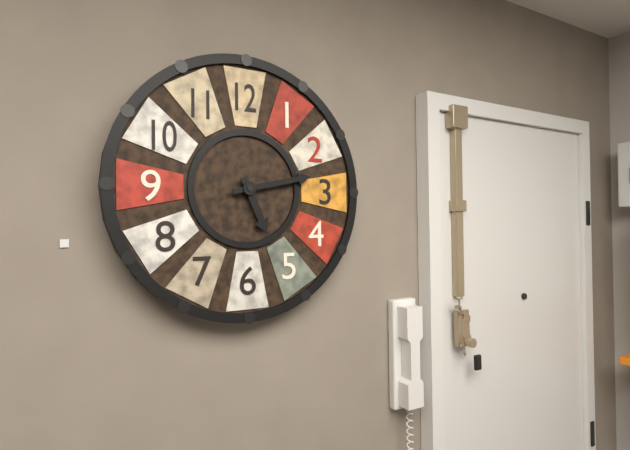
5:13
